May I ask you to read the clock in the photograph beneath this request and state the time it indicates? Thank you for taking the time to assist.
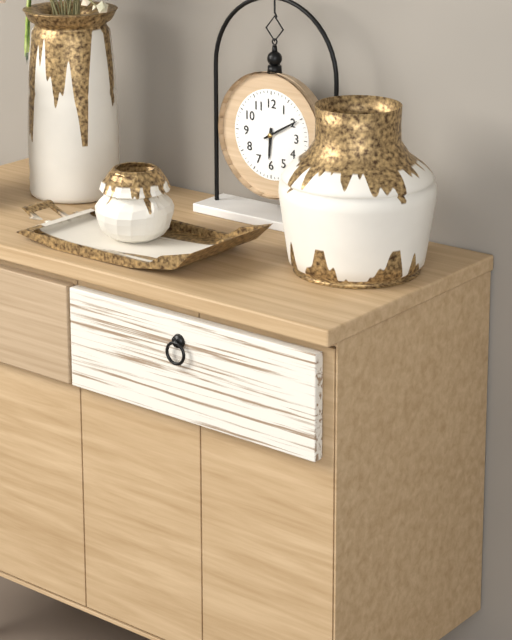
6:10
